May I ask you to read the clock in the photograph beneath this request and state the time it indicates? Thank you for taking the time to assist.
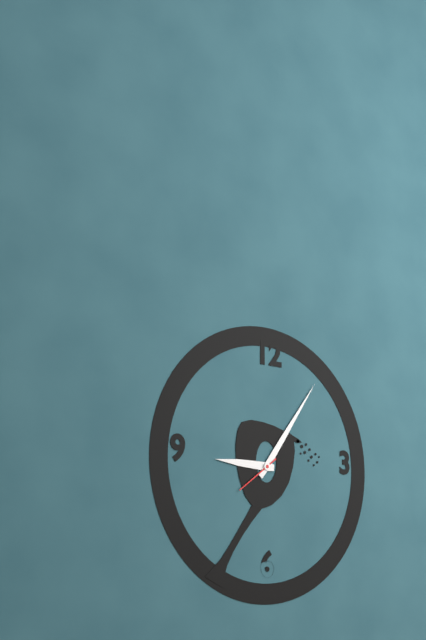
9:06
